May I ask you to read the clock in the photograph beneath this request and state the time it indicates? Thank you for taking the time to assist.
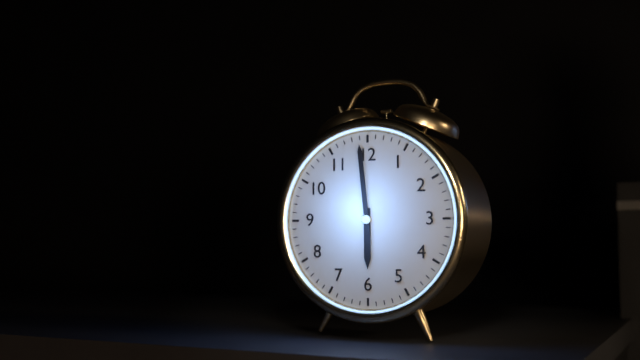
5:59
